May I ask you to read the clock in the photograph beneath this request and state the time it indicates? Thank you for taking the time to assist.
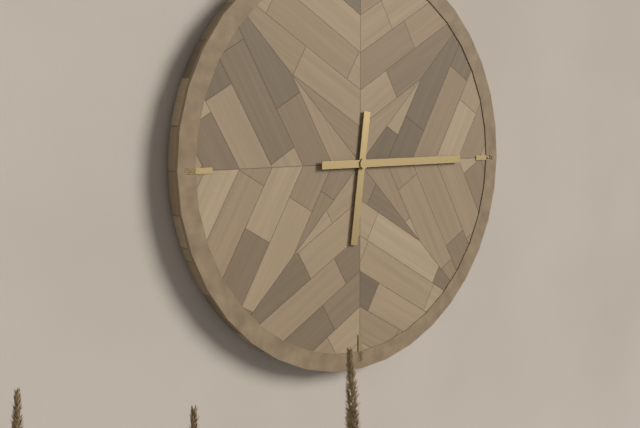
6:15
